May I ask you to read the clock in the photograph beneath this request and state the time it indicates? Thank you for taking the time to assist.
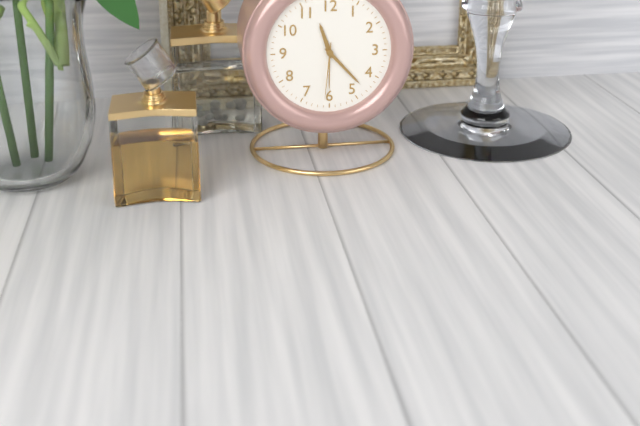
11:23:31
